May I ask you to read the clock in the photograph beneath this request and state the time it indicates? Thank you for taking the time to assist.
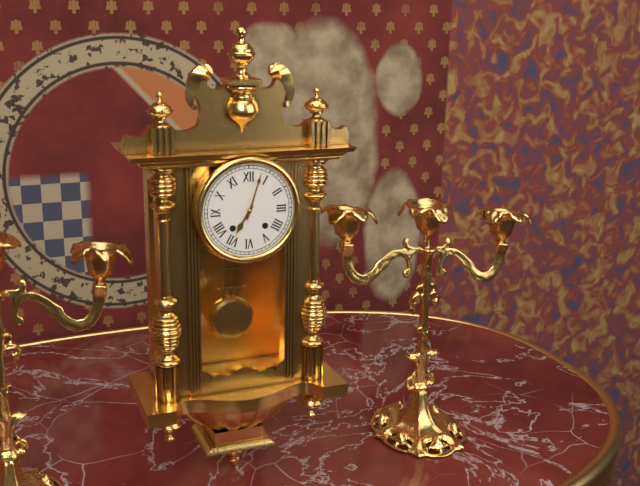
7:03
